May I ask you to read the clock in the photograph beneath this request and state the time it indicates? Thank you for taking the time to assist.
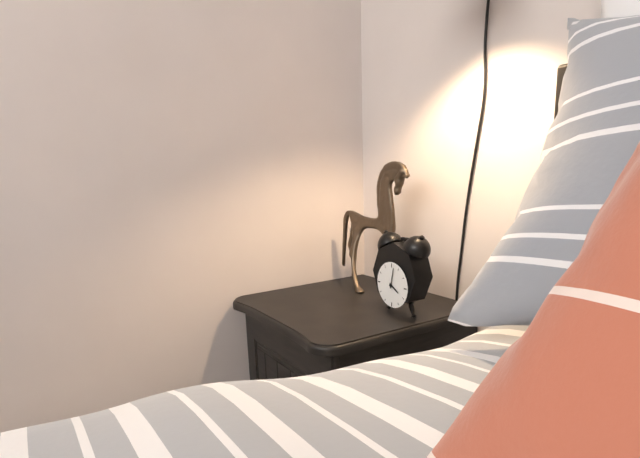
4:02
